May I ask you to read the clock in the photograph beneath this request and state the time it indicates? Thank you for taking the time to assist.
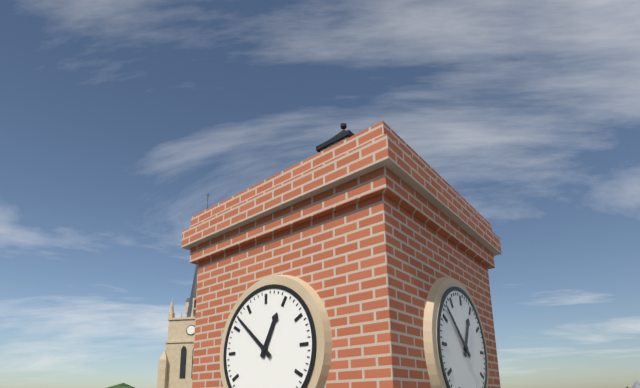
12:52
